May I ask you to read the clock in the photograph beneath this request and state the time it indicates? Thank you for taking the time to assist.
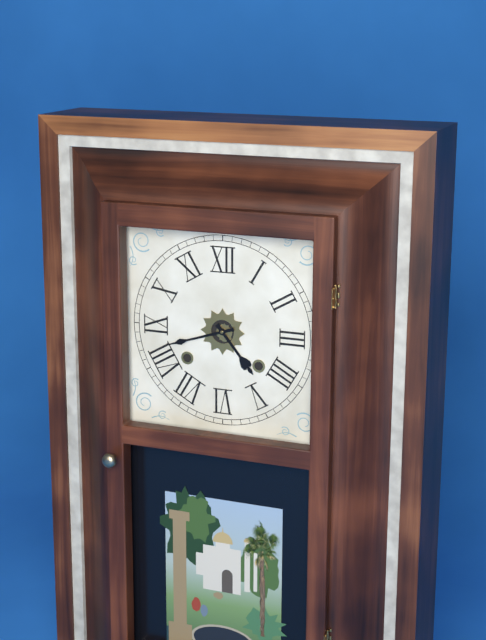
4:42
